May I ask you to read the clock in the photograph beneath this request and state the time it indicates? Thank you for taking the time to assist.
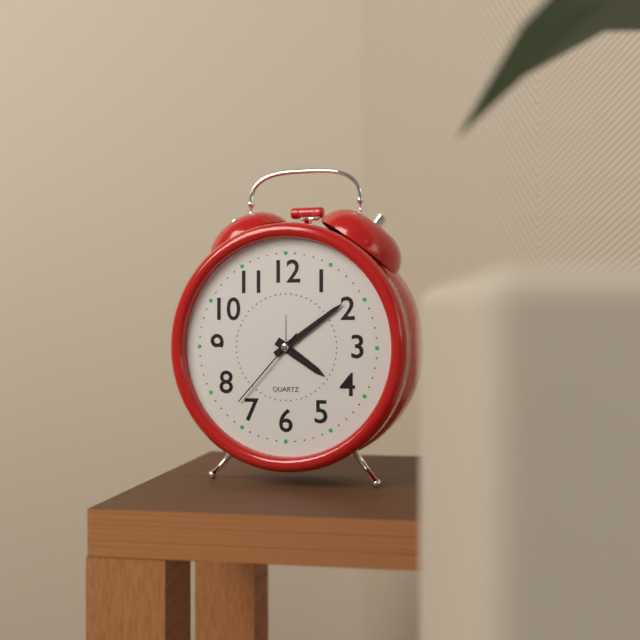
4:09:37
